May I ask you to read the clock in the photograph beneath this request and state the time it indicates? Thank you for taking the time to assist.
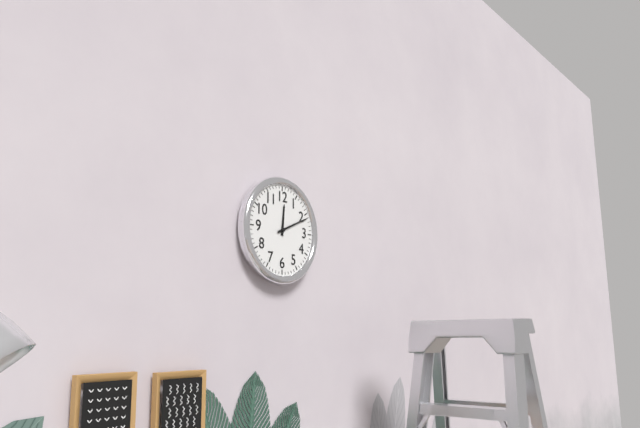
12:11
